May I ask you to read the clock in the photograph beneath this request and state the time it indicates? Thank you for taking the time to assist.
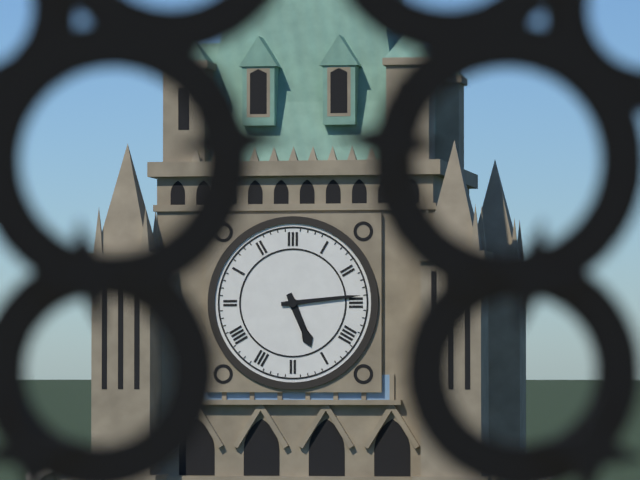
5:14
